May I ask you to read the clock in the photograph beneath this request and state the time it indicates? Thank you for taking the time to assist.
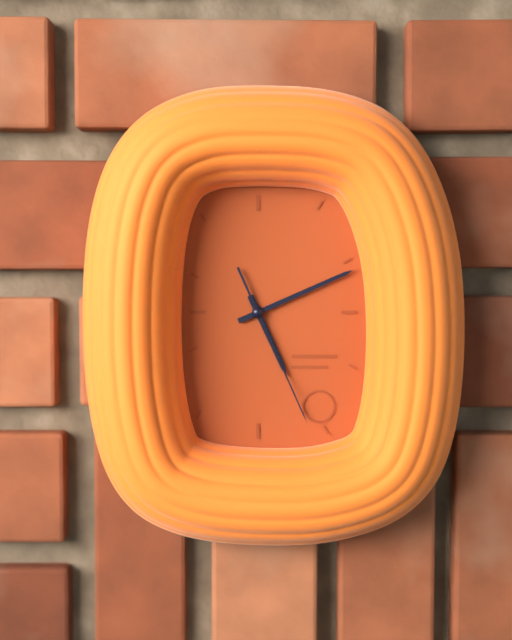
5:11:26
